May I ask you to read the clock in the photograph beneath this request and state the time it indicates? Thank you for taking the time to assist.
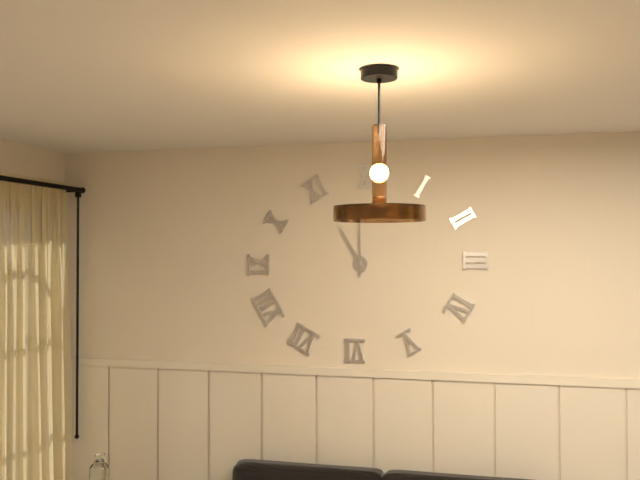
11:00
